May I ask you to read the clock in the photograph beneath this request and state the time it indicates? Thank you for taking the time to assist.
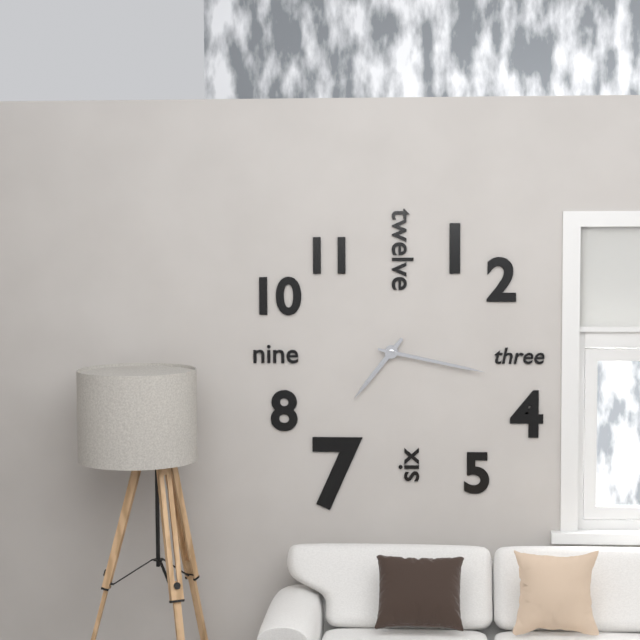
7:17
